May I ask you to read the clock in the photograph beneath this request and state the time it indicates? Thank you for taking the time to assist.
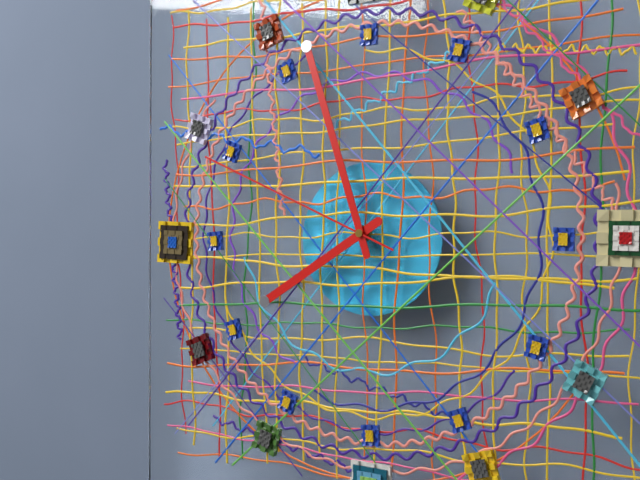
7:57:49
